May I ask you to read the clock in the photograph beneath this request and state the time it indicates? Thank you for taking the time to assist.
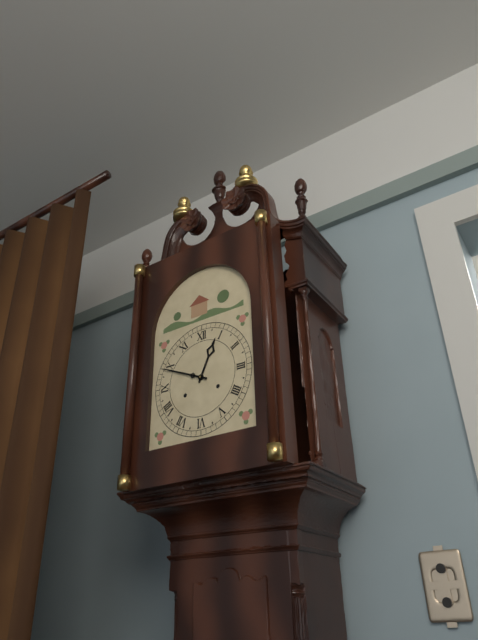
12:49
